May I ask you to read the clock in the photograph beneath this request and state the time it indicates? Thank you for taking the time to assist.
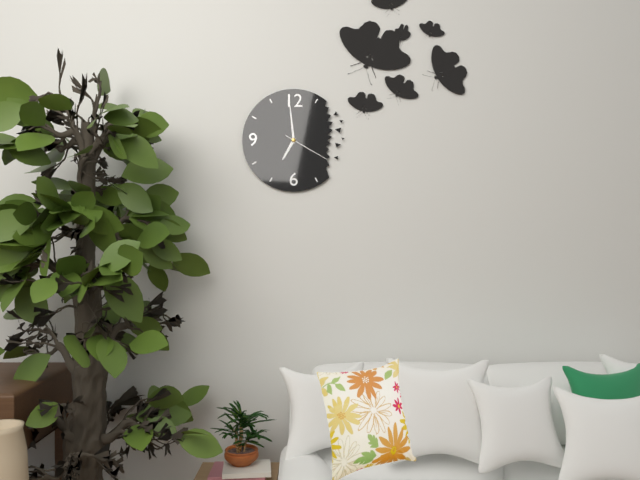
6:59:20
